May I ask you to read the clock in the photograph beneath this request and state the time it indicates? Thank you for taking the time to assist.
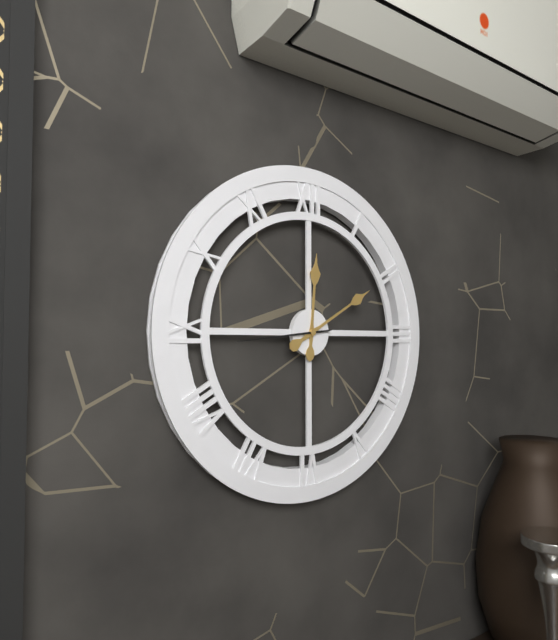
12:10:44
